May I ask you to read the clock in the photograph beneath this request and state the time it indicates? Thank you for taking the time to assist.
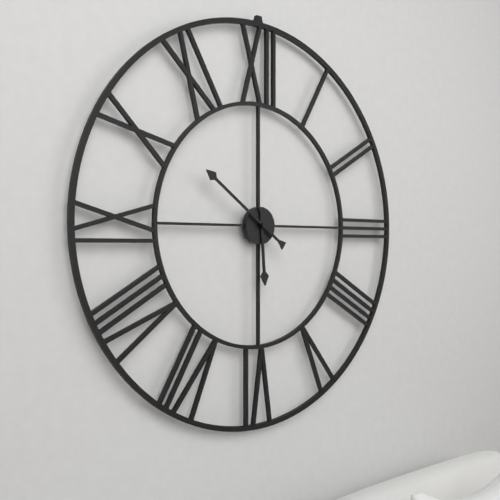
5:51
